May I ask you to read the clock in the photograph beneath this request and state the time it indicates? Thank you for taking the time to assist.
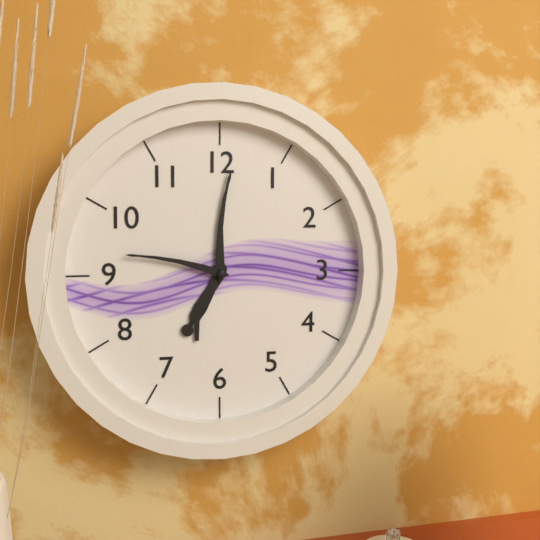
7:01:47
